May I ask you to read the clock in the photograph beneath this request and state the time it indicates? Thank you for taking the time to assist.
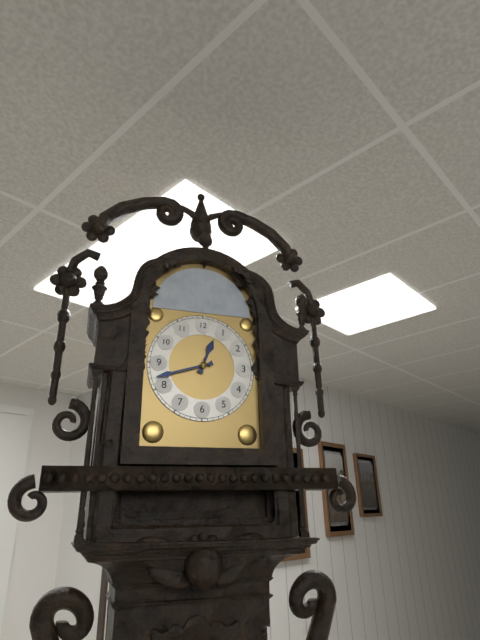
12:42
